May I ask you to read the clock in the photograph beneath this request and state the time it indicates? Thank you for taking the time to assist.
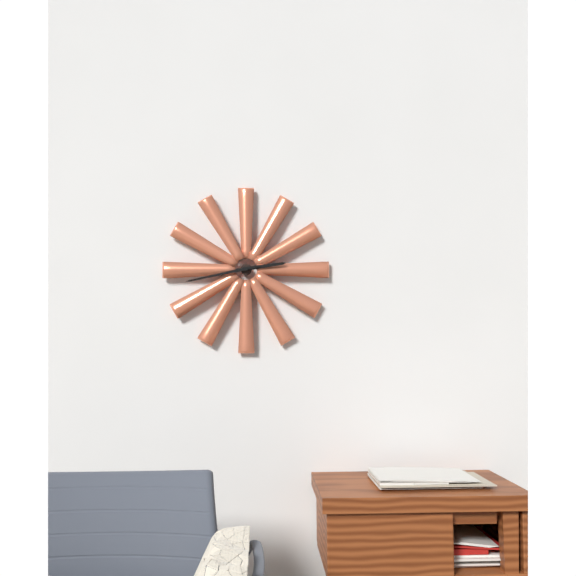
2:43
